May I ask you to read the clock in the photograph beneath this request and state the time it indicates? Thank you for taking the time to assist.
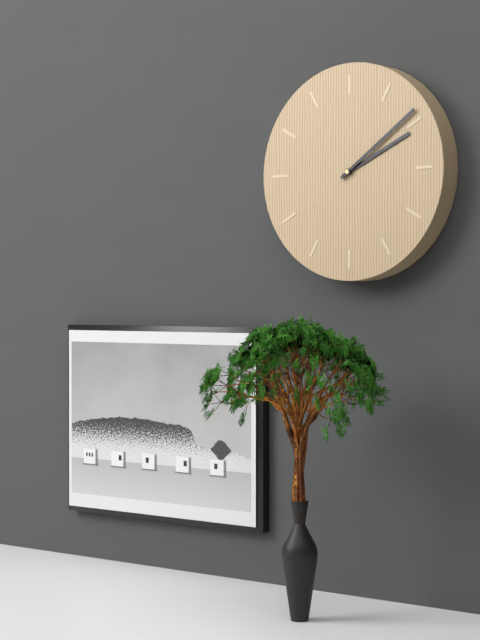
2:09
